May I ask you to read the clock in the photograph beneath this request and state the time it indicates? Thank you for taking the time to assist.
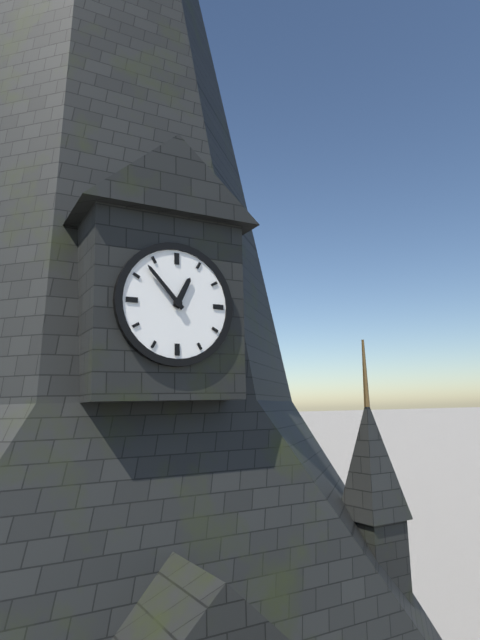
12:53
